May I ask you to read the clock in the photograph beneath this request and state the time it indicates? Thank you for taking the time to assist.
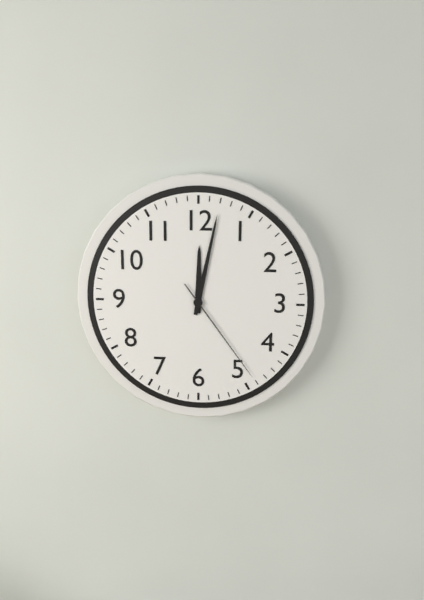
12:02:24
